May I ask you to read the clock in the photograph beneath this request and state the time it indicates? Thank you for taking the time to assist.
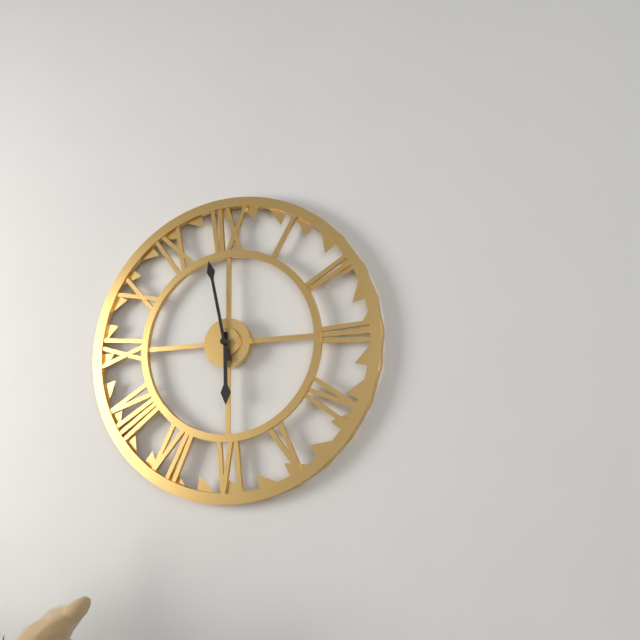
5:58
